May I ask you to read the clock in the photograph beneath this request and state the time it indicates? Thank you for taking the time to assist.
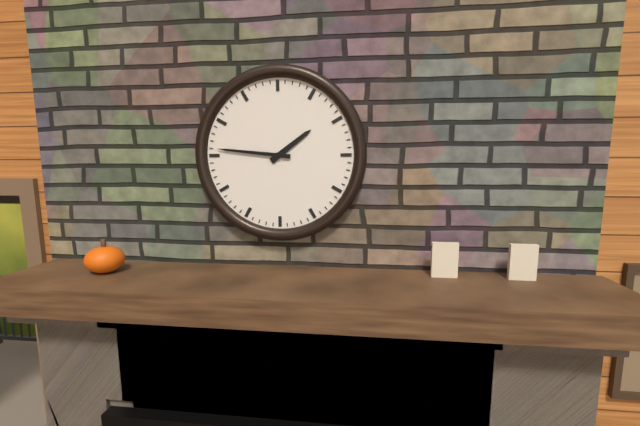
1:46
